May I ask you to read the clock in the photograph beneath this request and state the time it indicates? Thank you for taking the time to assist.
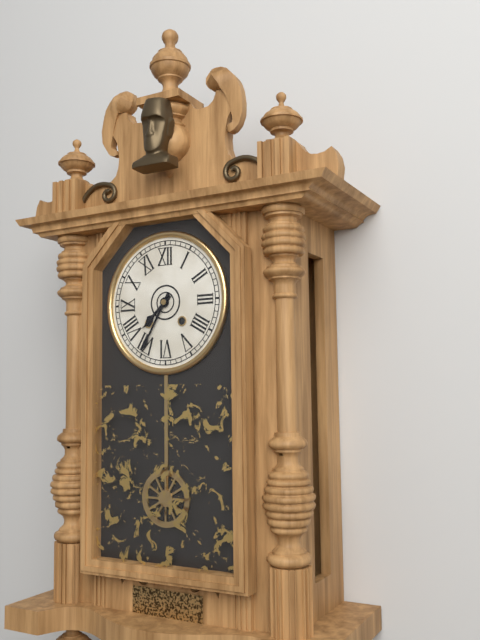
7:35
